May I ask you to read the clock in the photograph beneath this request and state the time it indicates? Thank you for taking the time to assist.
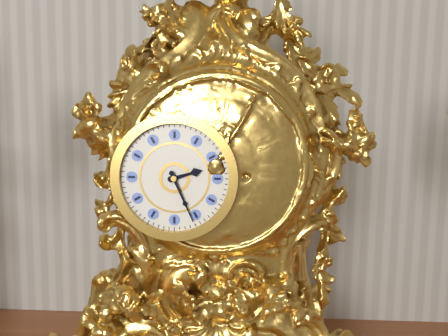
2:26
